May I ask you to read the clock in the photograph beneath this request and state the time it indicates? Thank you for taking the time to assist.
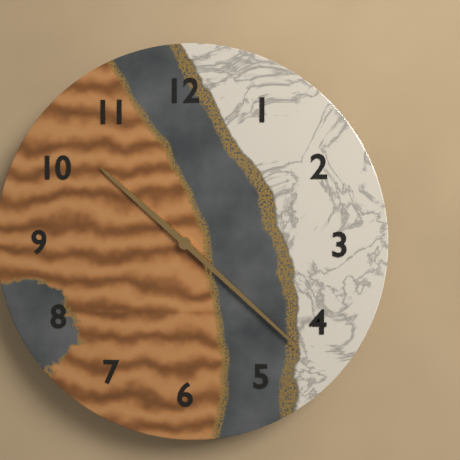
10:22
